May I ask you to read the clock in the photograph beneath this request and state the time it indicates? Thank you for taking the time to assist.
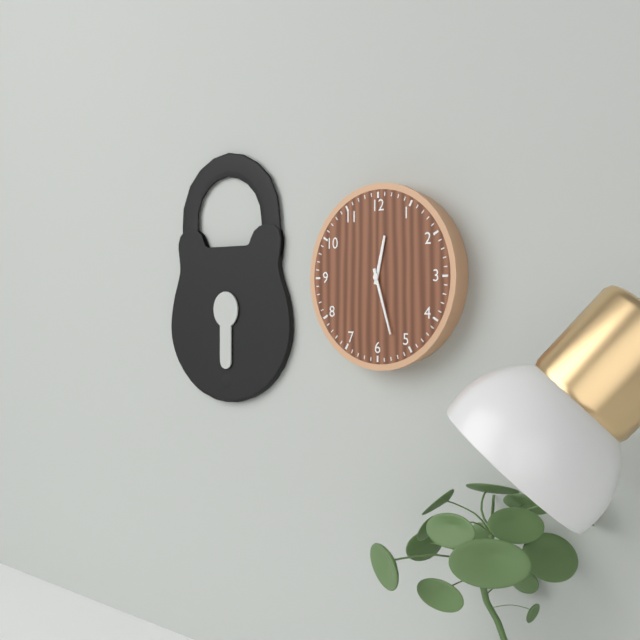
12:27
